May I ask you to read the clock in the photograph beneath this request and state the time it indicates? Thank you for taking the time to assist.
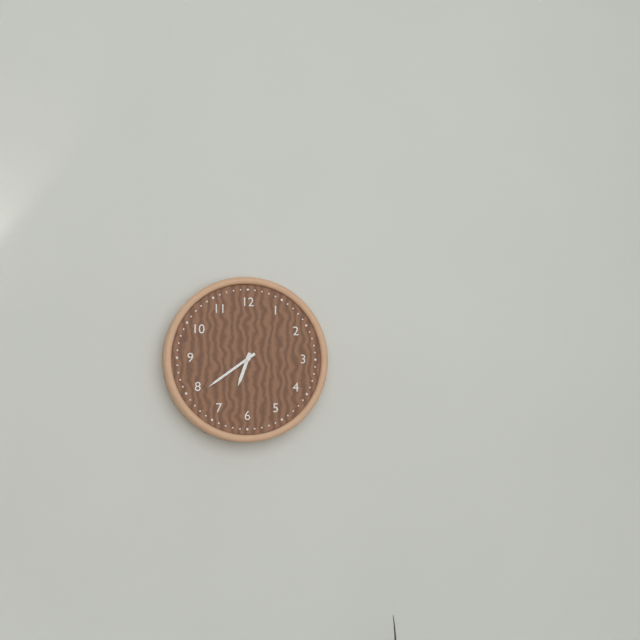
6:39
